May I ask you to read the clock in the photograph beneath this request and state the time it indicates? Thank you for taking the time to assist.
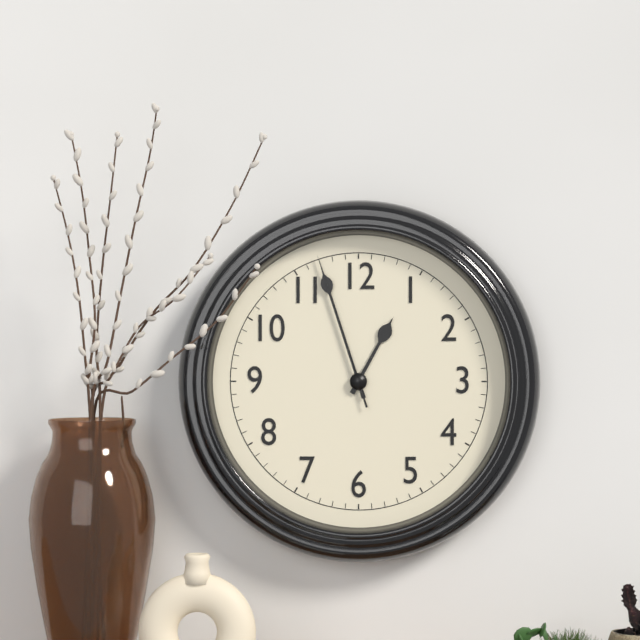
12:57:57
